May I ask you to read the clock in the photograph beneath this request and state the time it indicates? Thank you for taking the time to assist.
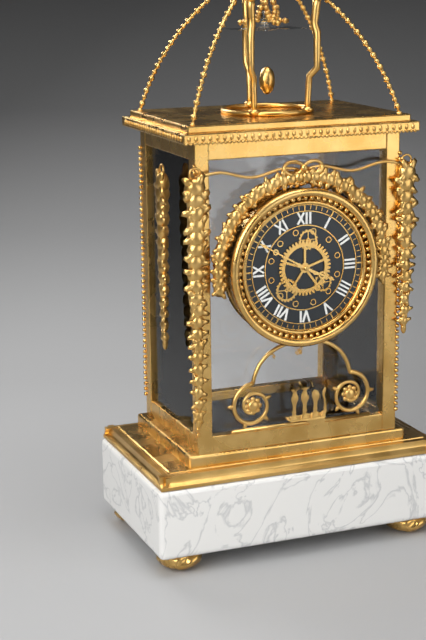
3:50
